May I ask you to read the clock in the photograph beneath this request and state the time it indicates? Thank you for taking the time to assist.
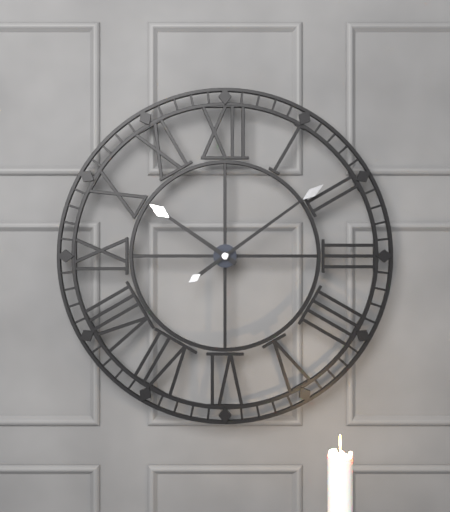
10:09
